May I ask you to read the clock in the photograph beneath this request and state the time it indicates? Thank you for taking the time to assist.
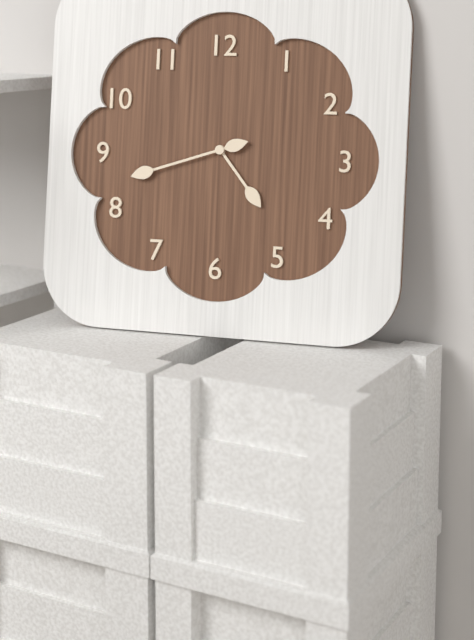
4:42
